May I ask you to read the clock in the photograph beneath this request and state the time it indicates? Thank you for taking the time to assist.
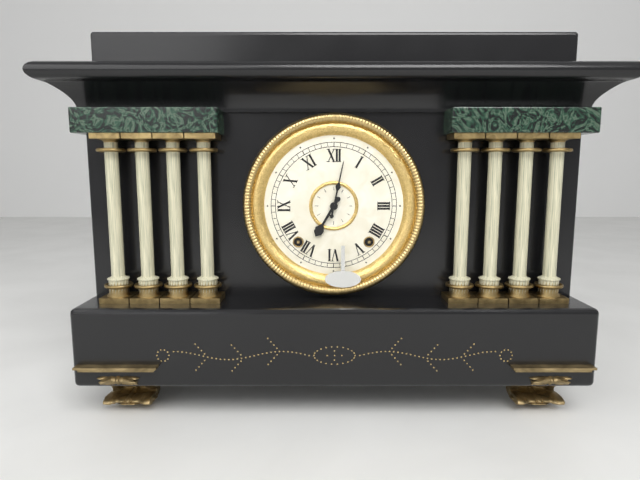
7:02
